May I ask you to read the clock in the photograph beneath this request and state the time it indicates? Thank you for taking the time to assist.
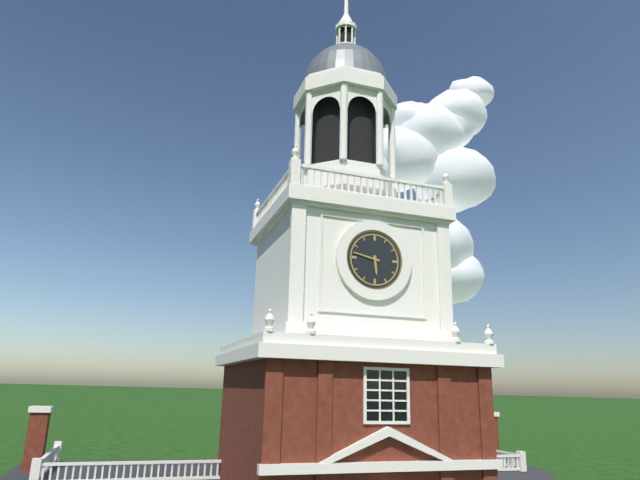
5:47
